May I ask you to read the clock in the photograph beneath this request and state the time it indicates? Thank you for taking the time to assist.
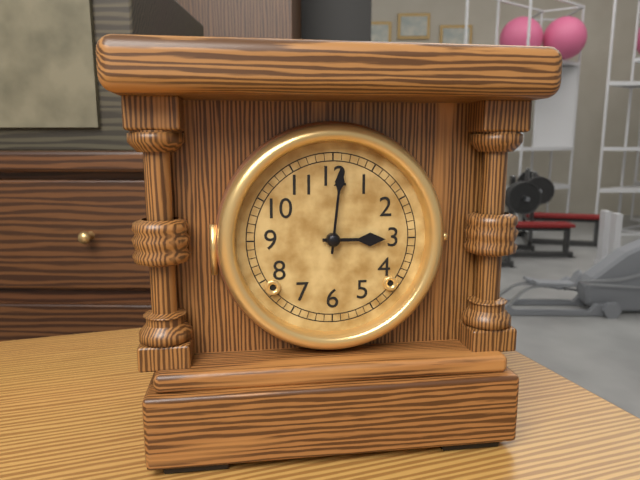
3:01
